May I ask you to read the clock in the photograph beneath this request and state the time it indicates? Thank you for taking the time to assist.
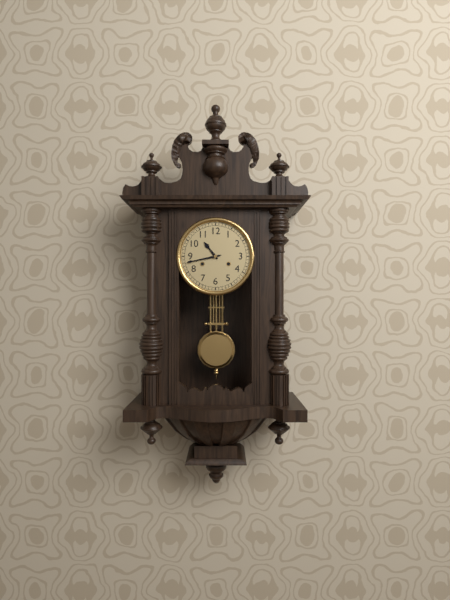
10:43
